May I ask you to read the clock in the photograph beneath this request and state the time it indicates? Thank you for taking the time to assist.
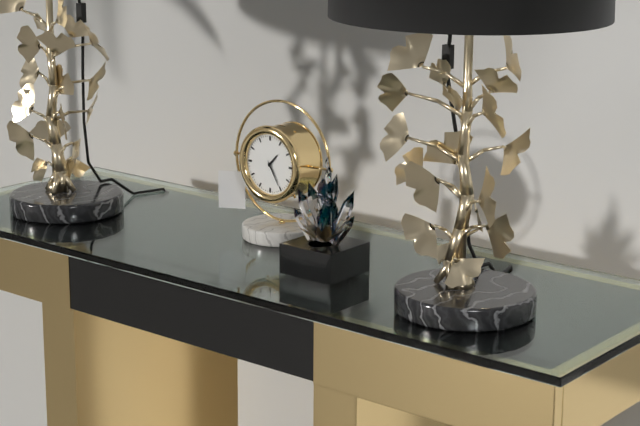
1:25
